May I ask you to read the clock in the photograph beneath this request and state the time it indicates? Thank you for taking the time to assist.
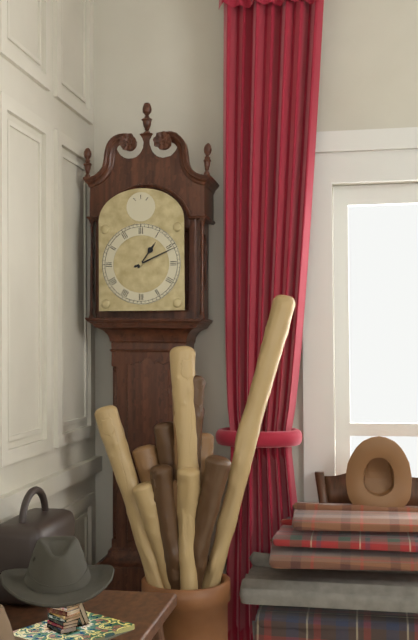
1:11
